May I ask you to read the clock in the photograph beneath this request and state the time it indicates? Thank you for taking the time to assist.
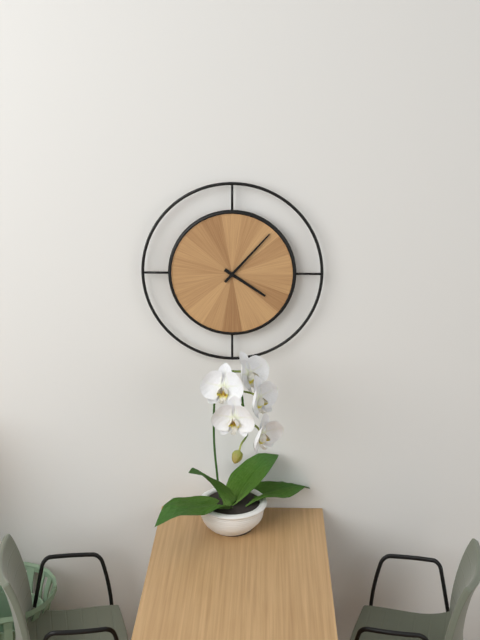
4:07
